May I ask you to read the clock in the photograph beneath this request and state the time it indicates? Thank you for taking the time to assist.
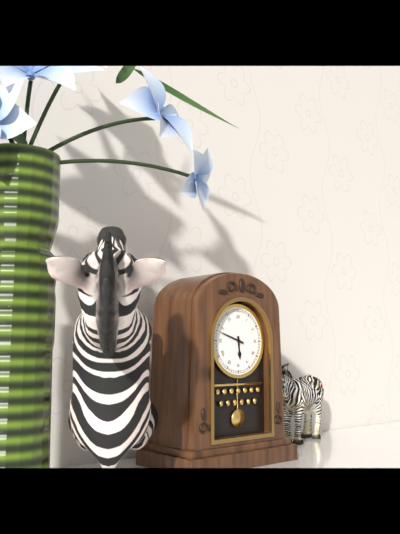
5:48
